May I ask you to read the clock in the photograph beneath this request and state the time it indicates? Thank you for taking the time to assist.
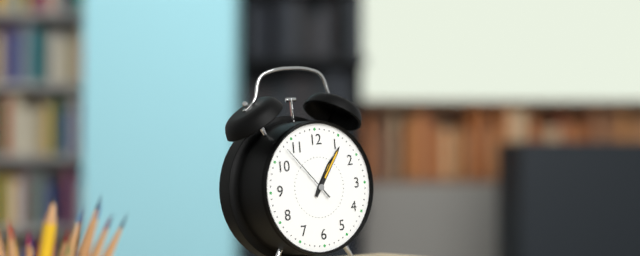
1:06:53
